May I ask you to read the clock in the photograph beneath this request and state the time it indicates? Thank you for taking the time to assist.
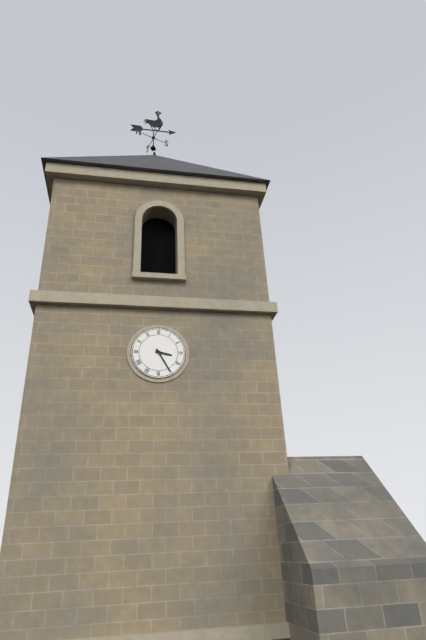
3:25
